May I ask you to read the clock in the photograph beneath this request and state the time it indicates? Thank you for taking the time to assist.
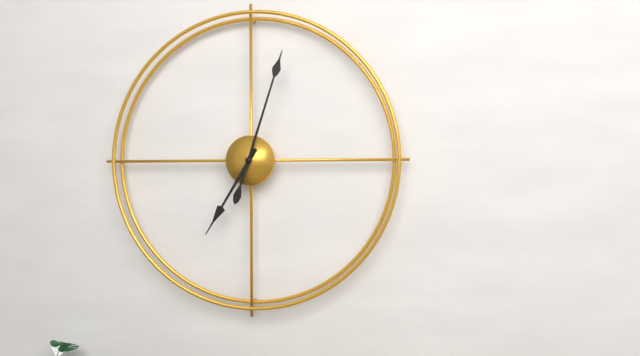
7:03
